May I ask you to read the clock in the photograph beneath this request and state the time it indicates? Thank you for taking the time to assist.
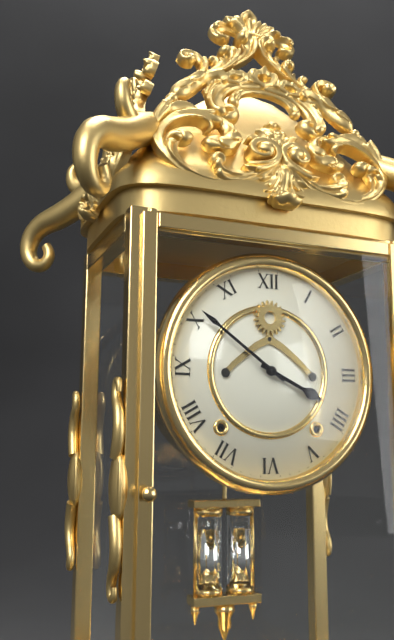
3:51
